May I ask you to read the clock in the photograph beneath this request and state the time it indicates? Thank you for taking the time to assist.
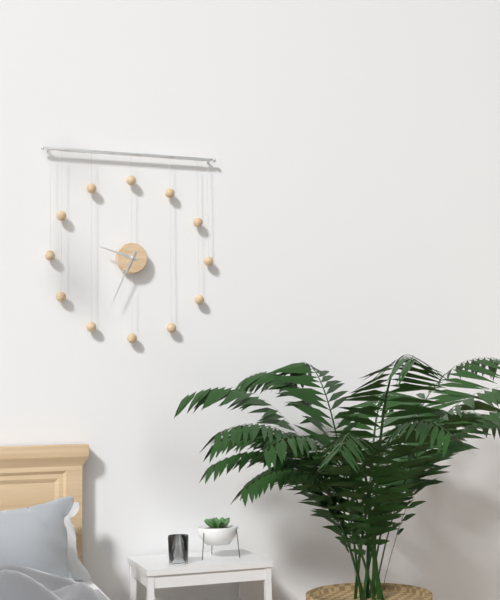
9:34
